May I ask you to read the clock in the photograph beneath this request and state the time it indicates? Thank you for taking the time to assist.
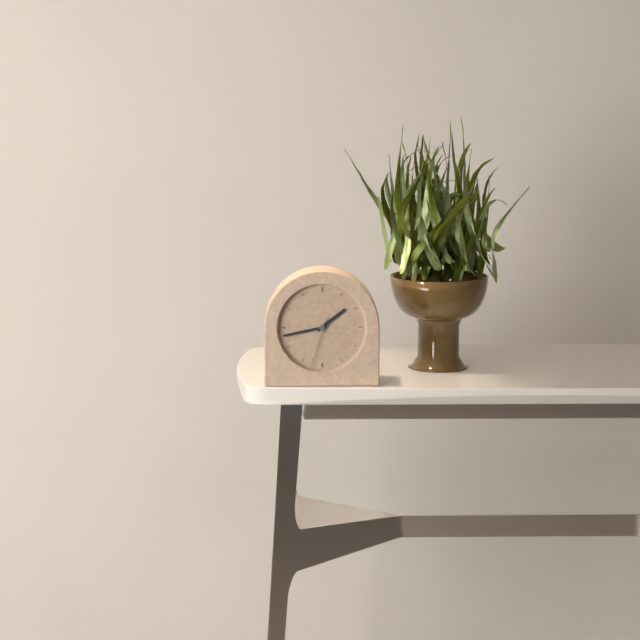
1:43:33
